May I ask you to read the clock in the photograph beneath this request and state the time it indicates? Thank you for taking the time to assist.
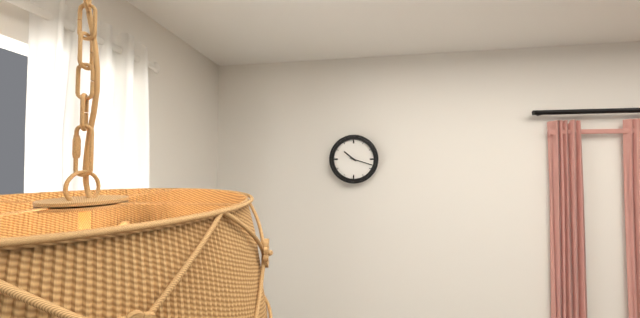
10:18
